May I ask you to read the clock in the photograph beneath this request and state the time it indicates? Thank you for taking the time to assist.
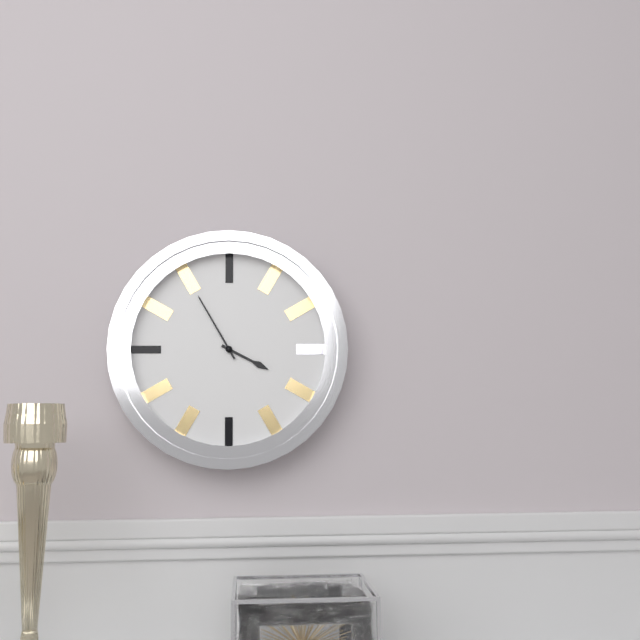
3:55
